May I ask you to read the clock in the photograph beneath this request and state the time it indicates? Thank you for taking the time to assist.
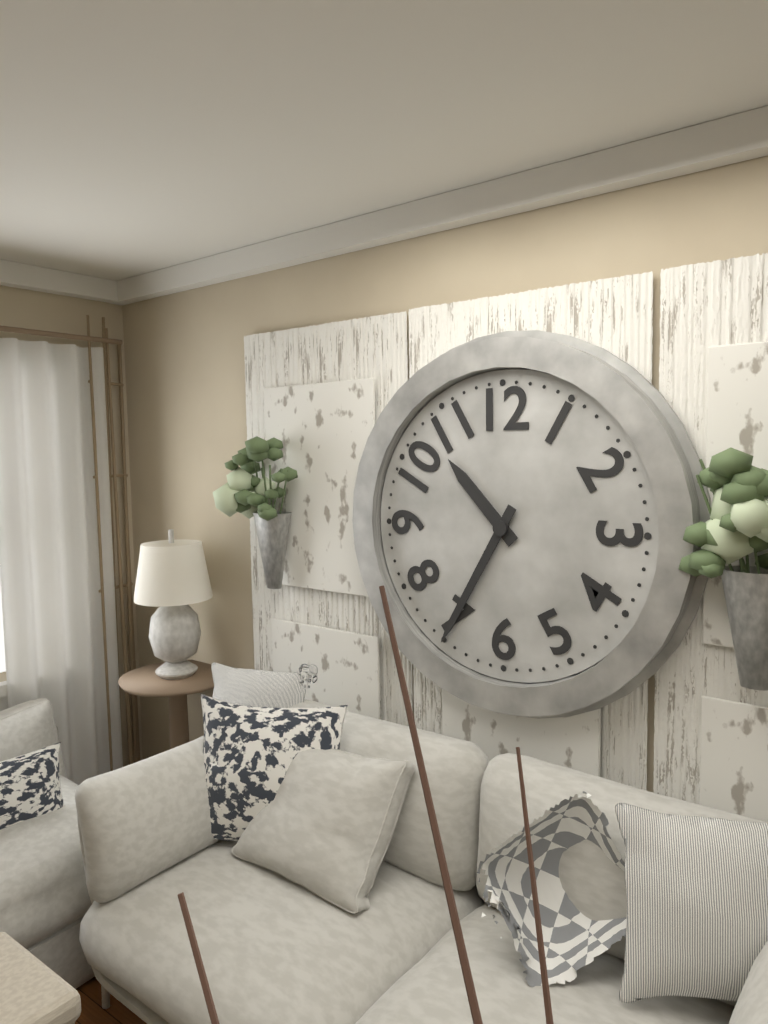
10:35
